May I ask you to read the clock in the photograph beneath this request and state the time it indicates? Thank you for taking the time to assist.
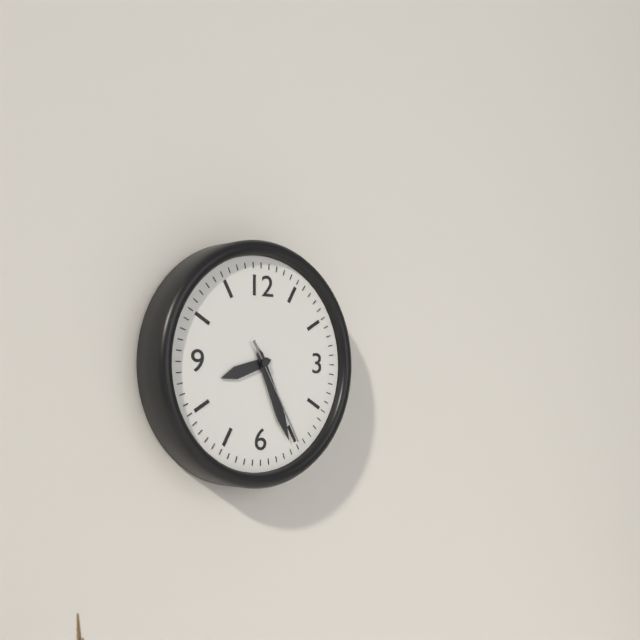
8:26:25
